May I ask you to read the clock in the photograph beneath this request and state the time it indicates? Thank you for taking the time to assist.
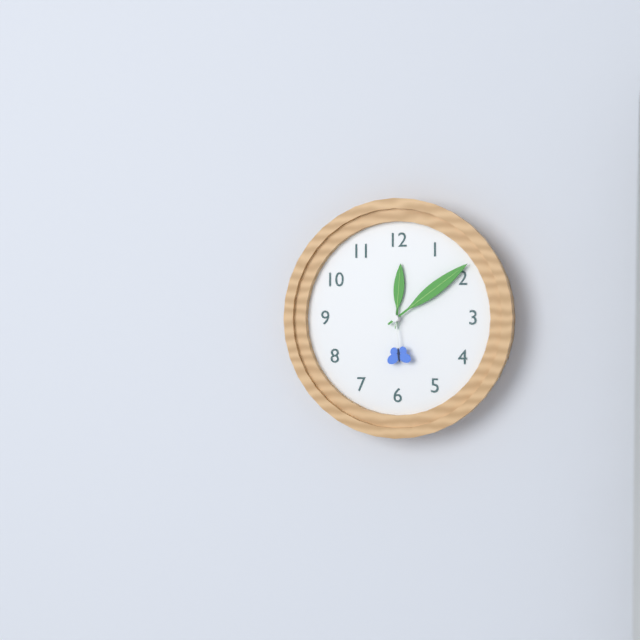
12:09:29
